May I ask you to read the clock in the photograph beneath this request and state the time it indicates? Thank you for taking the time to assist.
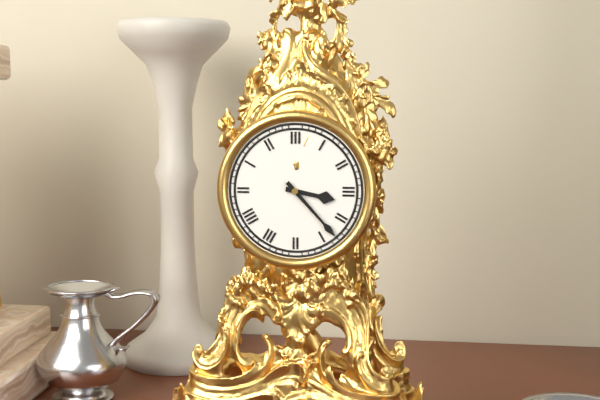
3:23
